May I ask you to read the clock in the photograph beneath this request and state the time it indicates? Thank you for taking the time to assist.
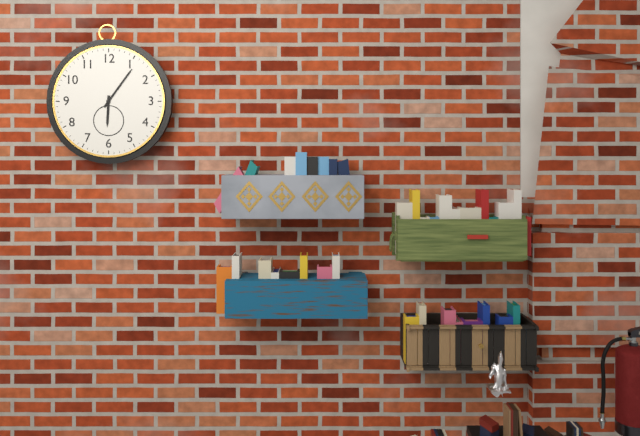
6:06
